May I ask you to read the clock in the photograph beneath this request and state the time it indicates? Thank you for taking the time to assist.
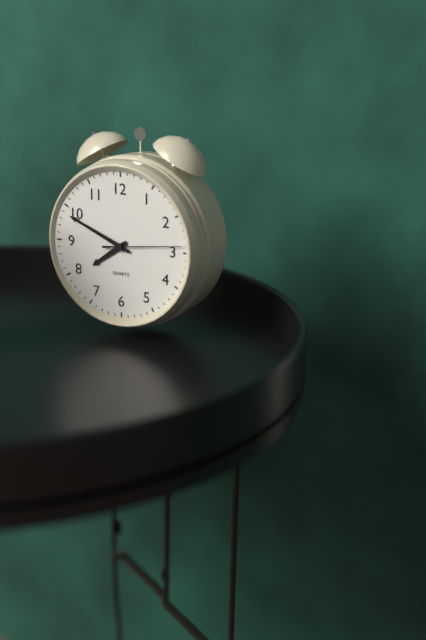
7:49:14
